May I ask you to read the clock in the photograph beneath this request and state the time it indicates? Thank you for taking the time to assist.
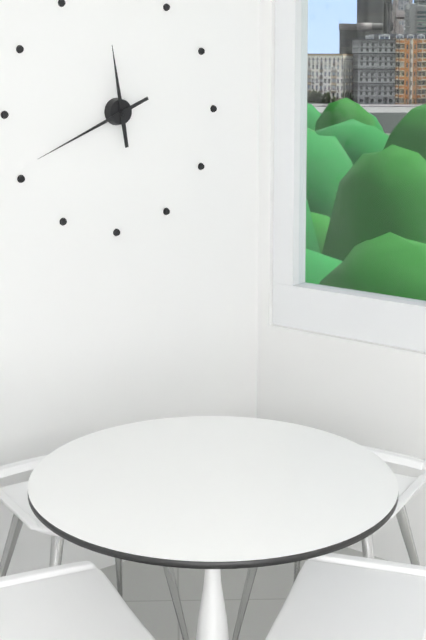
11:41
